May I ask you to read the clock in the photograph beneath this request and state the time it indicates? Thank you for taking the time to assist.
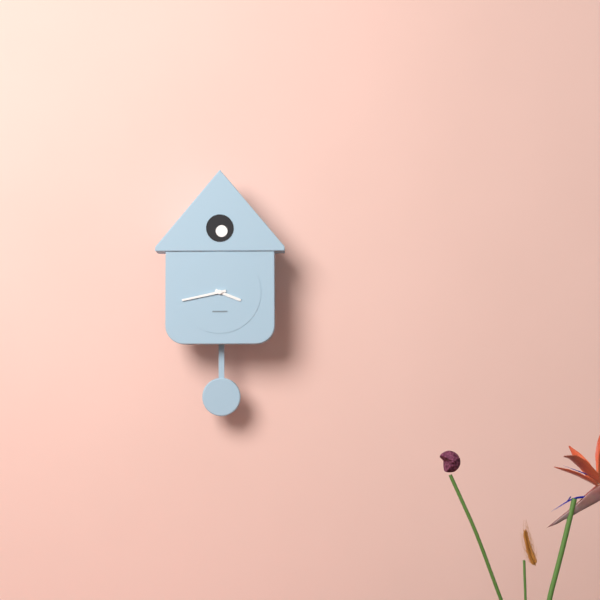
3:43
